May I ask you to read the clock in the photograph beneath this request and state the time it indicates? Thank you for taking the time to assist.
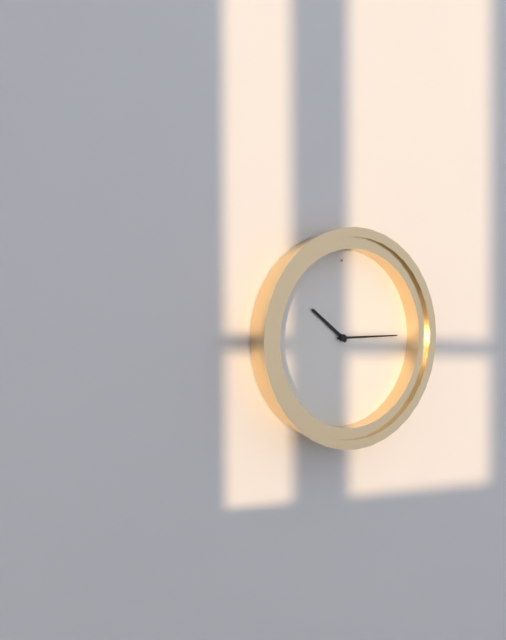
10:15
